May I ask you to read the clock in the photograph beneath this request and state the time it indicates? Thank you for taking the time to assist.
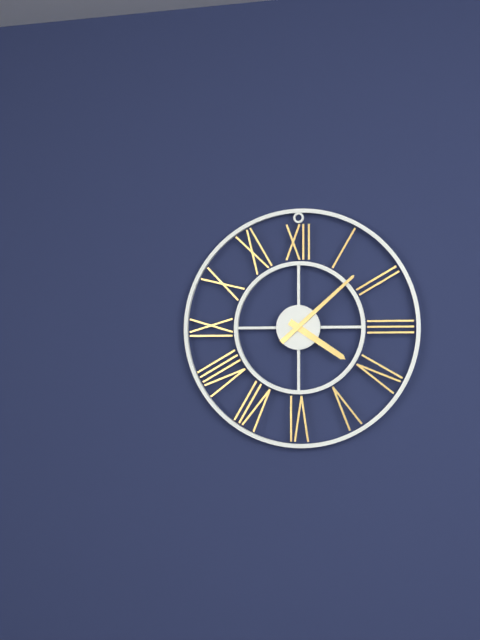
4:08
